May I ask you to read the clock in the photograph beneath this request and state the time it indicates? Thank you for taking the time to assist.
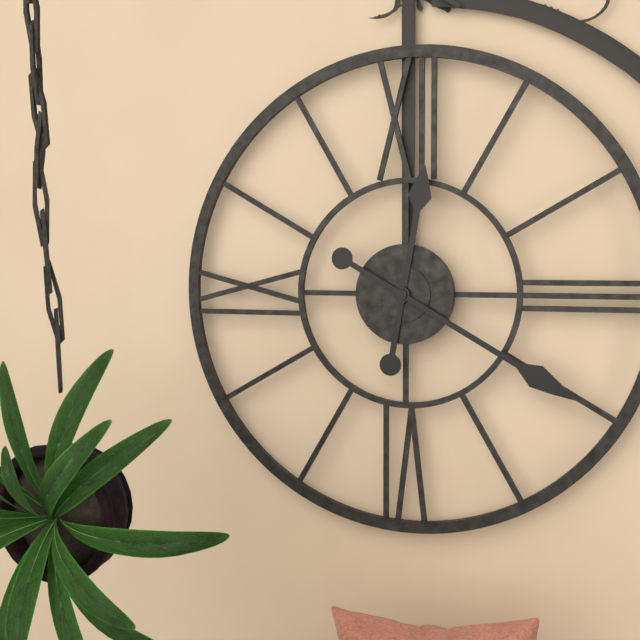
12:20
